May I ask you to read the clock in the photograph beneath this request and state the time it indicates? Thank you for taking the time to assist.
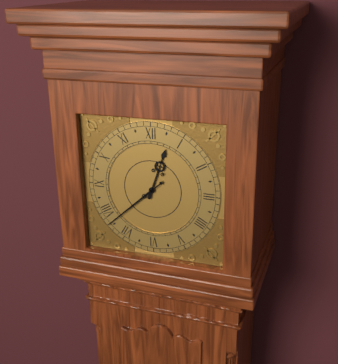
12:38
